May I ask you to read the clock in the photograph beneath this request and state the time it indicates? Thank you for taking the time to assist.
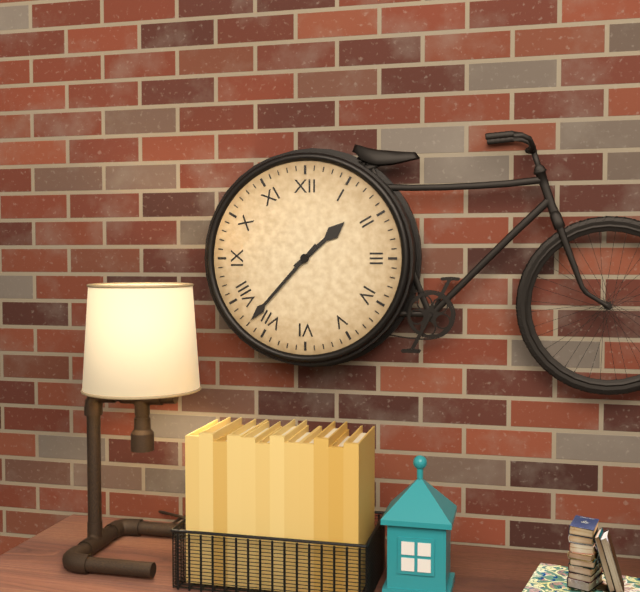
1:37
